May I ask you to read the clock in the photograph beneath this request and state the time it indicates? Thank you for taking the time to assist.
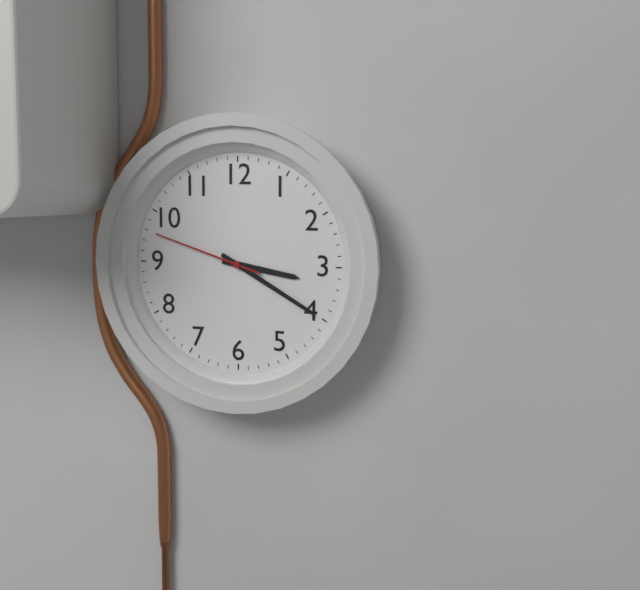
3:20:48
